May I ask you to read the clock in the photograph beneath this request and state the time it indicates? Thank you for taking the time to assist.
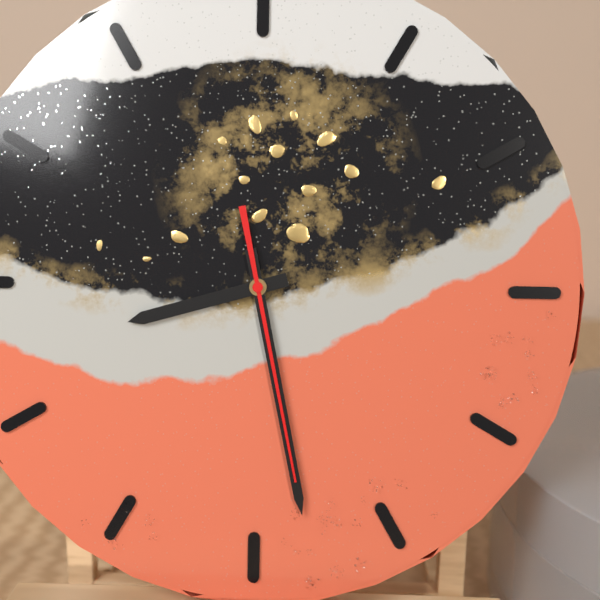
8:28:28
